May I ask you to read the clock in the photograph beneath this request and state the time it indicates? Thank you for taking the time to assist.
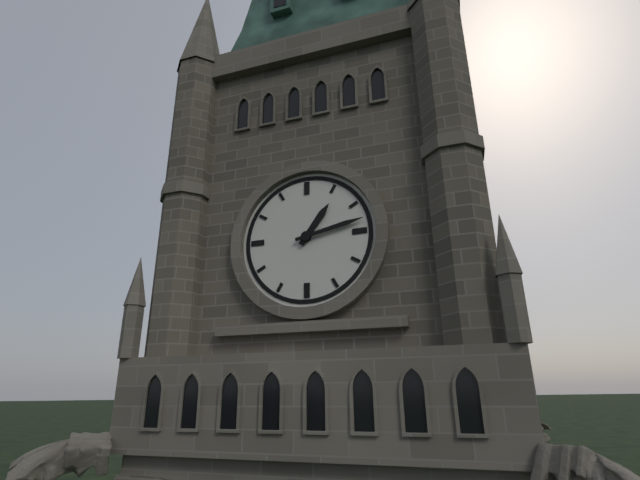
1:13
